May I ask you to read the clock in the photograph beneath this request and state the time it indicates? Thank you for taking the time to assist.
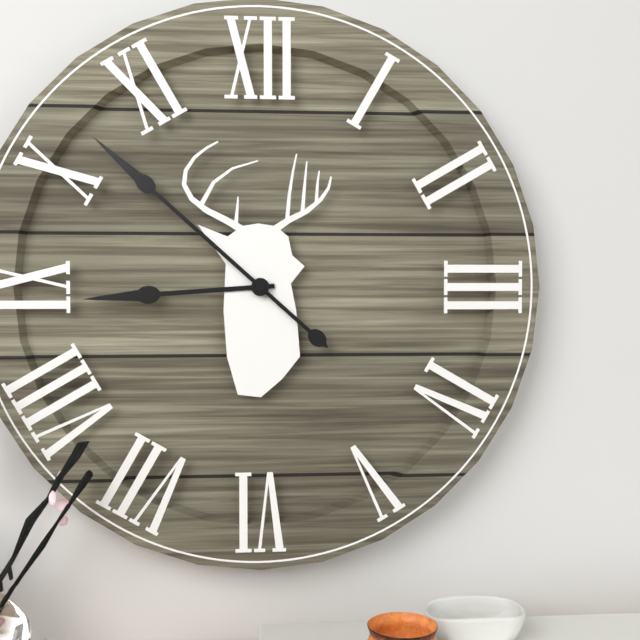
8:52
